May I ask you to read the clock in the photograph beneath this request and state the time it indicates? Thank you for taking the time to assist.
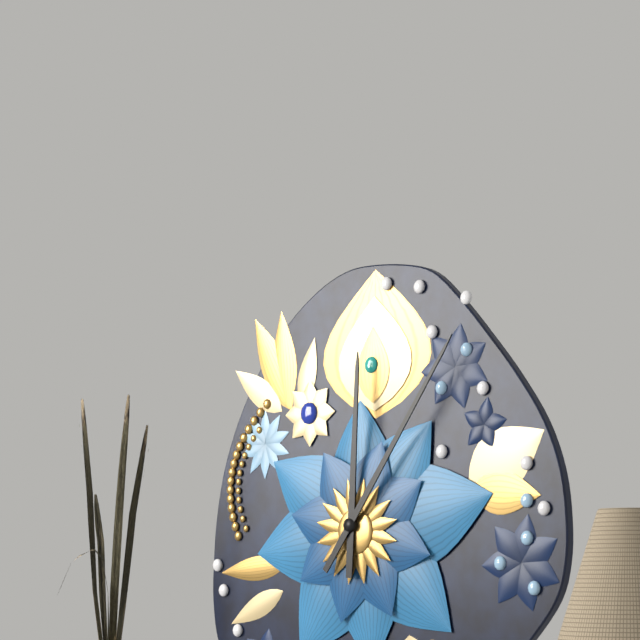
12:06
